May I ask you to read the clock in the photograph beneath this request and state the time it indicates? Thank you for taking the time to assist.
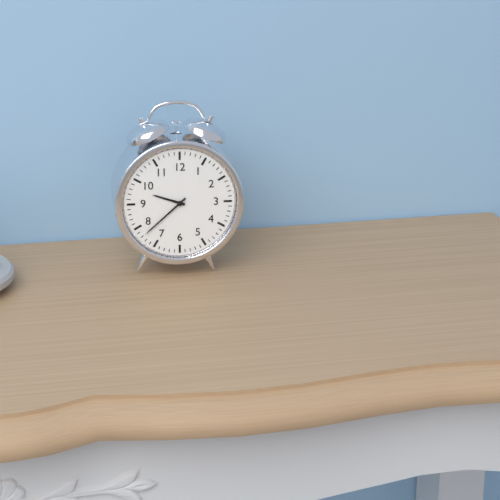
9:38
